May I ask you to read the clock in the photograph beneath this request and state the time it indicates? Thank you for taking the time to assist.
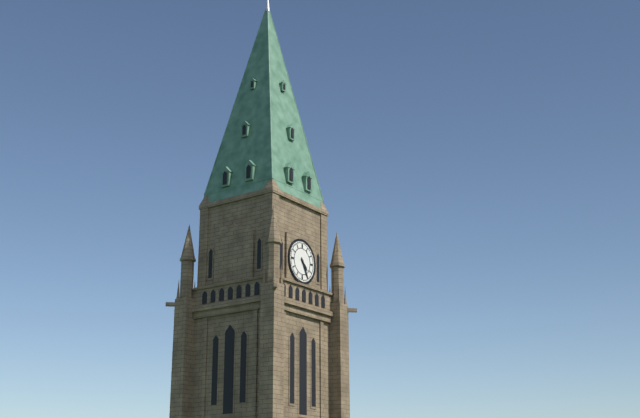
4:25
